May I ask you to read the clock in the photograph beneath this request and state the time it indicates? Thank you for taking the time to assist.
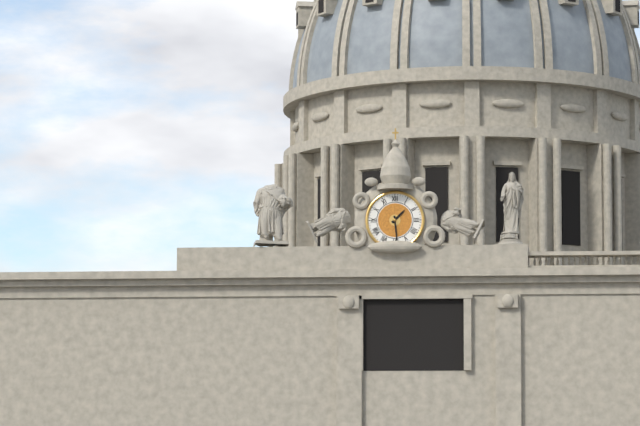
1:29
